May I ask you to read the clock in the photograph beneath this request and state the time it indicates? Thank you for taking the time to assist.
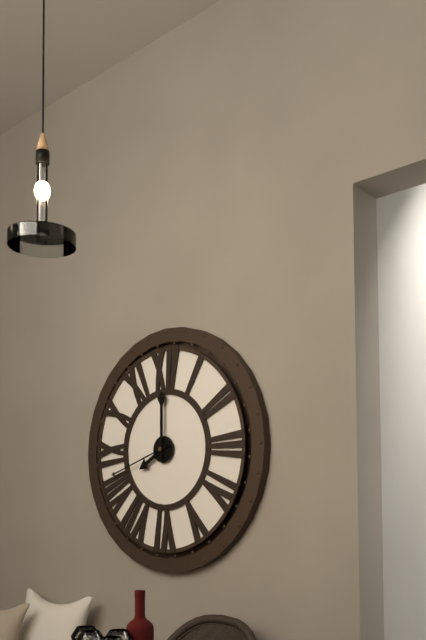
8:00:42
